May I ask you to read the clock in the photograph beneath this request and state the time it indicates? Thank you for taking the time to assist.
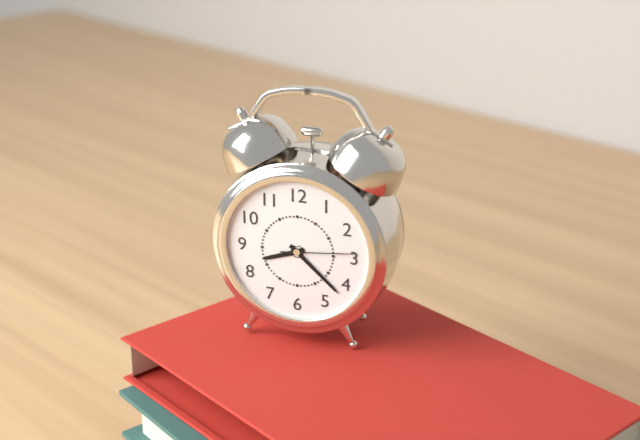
8:22:14
